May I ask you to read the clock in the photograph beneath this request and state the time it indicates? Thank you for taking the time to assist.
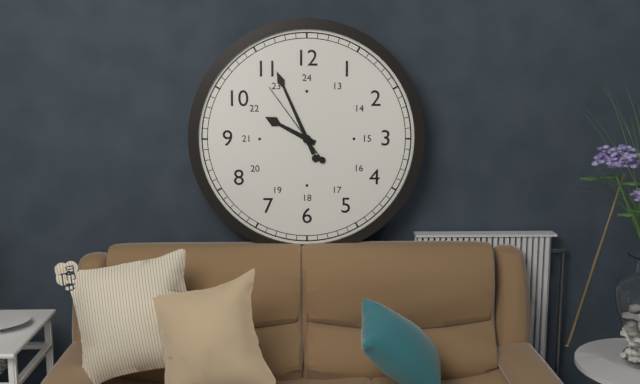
9:56:54
